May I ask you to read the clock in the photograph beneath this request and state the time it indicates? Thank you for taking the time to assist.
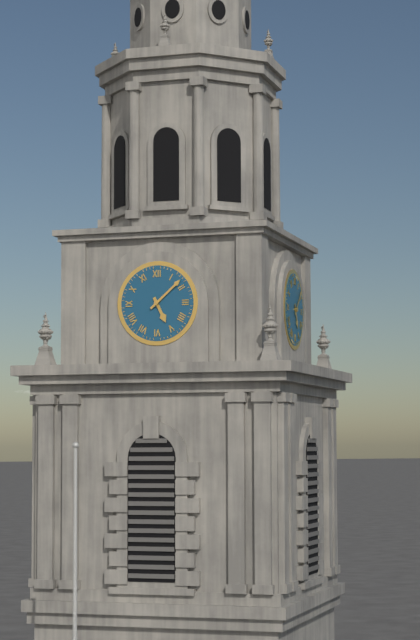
5:08
